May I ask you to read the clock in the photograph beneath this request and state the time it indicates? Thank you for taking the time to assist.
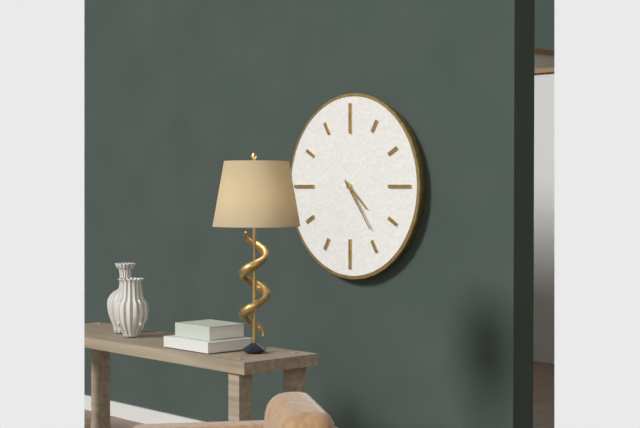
4:24
